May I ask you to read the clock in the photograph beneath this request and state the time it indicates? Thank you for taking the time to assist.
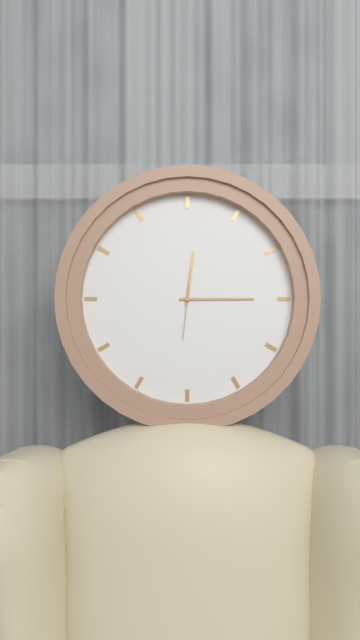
12:15:31
